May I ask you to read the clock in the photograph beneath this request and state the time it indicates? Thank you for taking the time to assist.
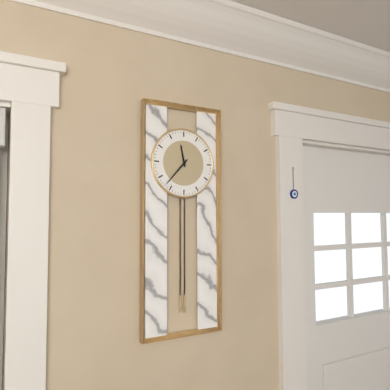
11:37
